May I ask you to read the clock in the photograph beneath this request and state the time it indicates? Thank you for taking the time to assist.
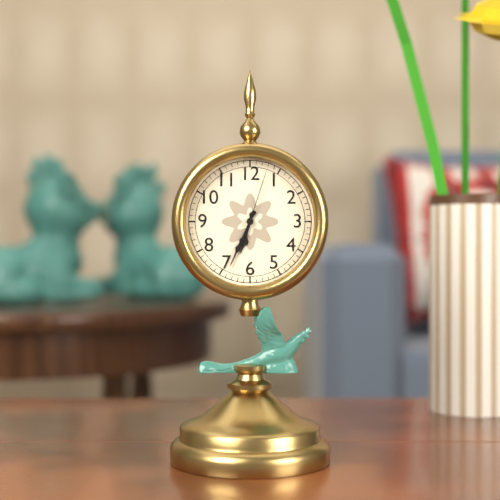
6:34:03
